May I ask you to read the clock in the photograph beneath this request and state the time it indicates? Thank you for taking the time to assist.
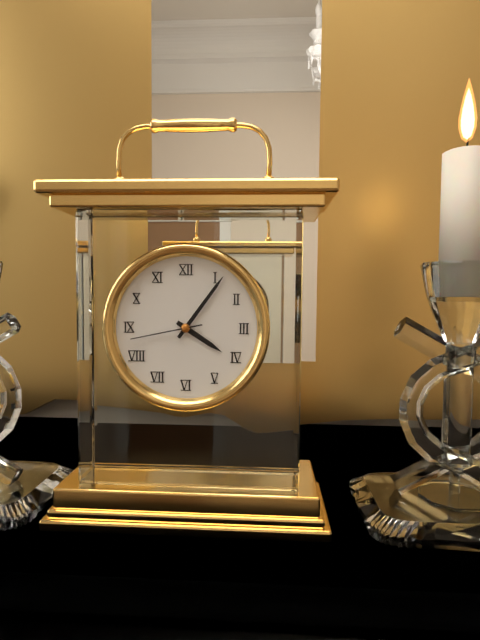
4:06:43
